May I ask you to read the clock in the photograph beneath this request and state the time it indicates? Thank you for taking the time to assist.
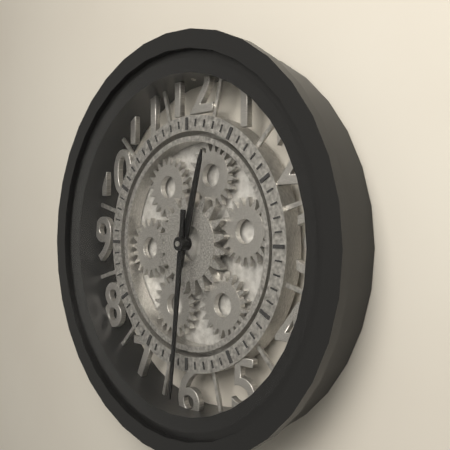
12:31
